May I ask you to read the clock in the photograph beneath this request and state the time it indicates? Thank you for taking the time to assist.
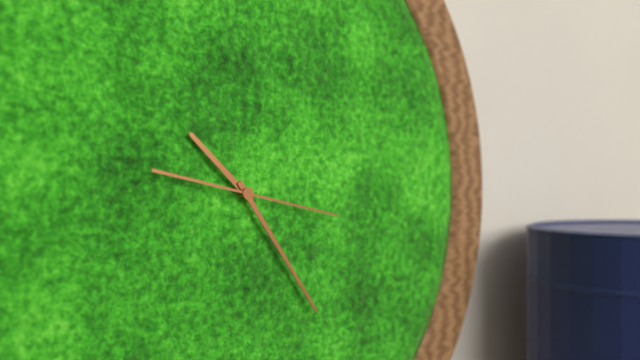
10:24:17
